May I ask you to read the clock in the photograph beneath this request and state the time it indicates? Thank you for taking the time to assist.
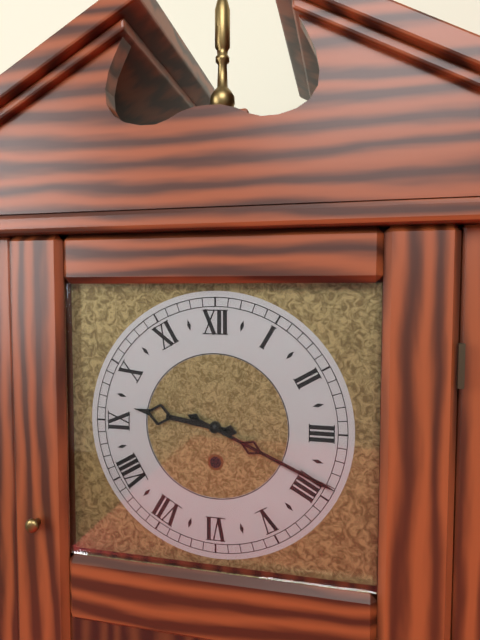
9:19
